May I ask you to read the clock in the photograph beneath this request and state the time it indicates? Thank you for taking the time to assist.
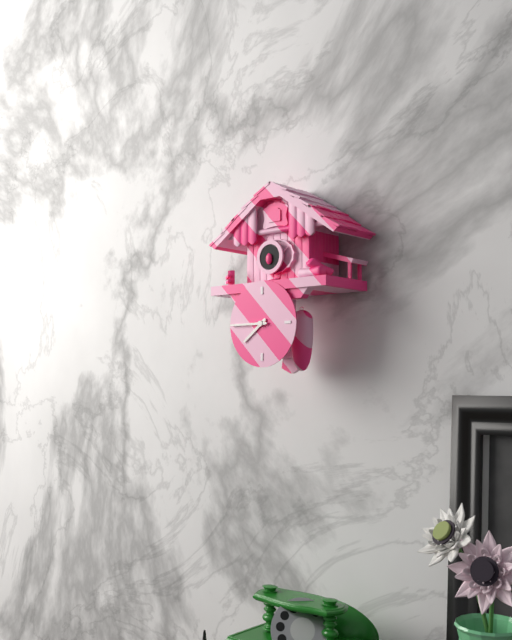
7:45
